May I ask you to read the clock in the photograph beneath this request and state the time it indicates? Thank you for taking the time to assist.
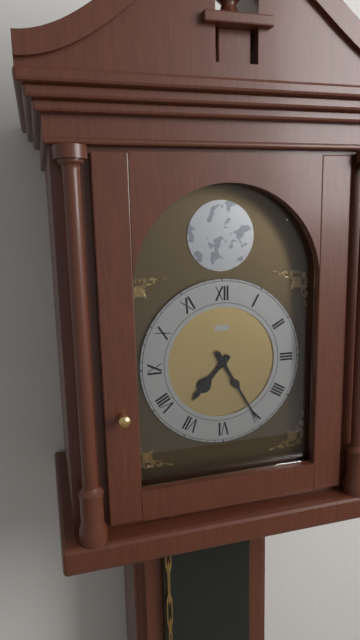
7:25
